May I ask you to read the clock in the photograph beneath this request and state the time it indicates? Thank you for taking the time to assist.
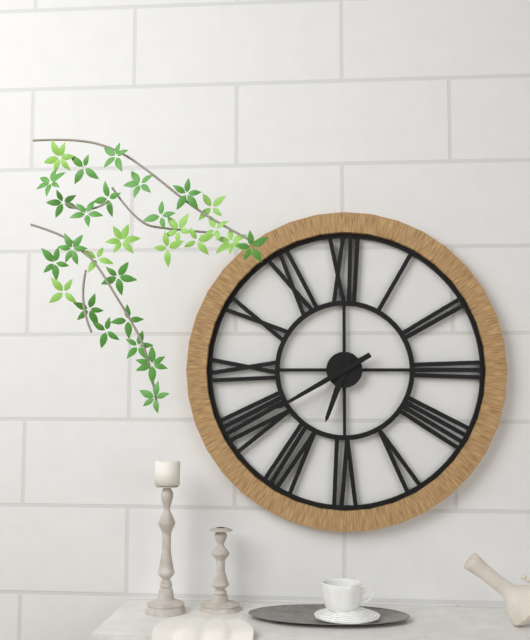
6:40
